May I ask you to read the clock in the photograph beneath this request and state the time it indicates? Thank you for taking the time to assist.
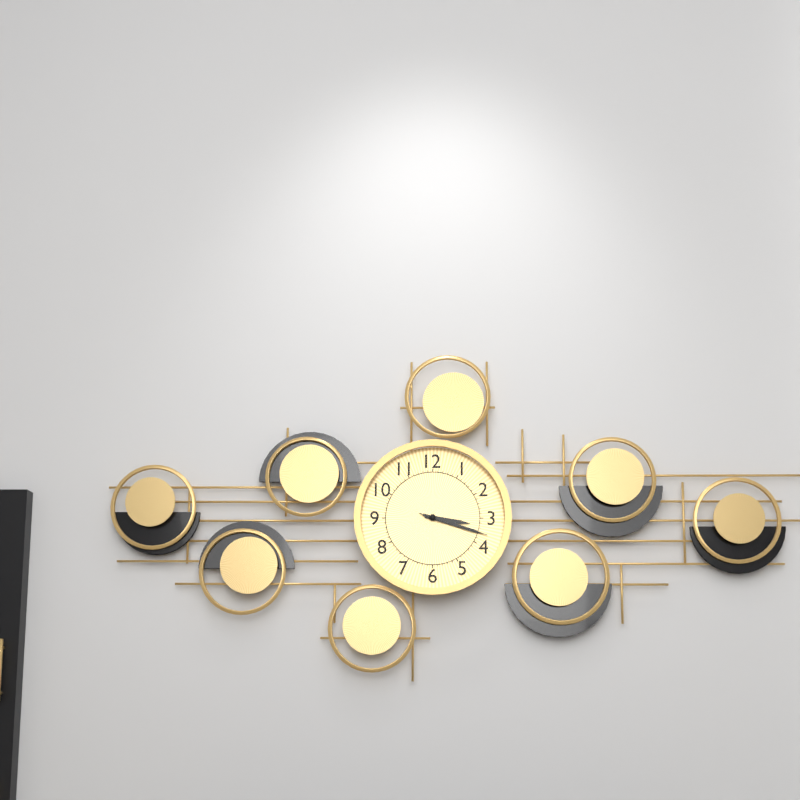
3:18:18
